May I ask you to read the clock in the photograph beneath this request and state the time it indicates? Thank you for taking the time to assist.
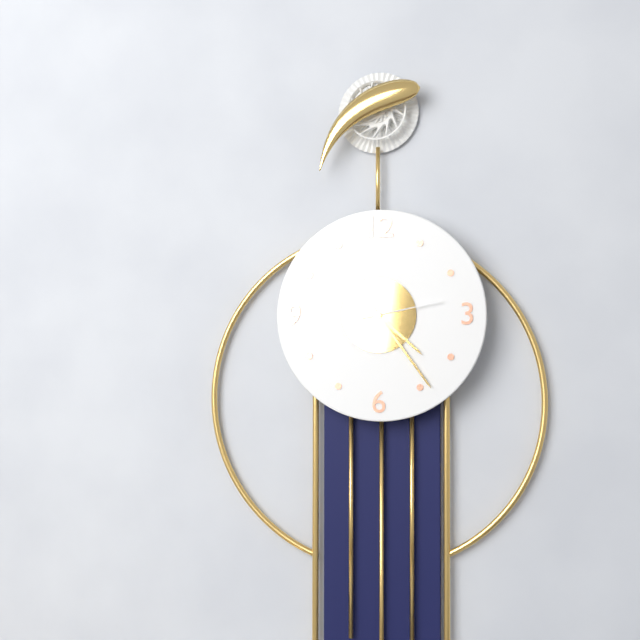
4:24:13
